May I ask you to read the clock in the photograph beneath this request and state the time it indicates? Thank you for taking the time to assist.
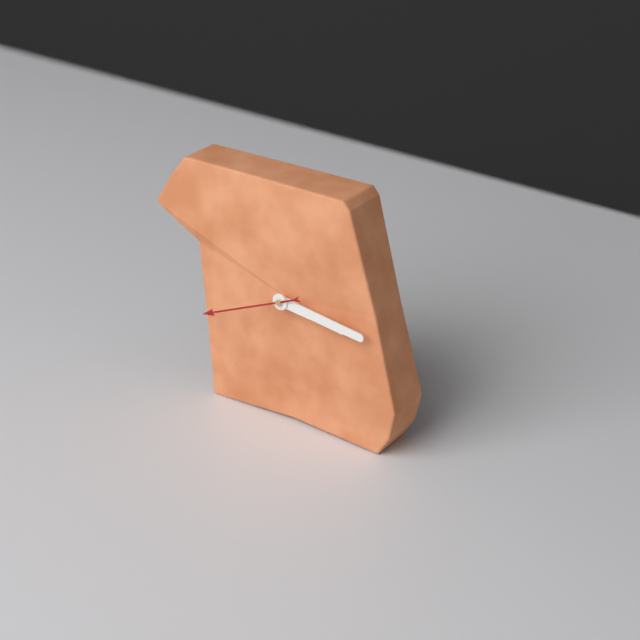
3:16:41
